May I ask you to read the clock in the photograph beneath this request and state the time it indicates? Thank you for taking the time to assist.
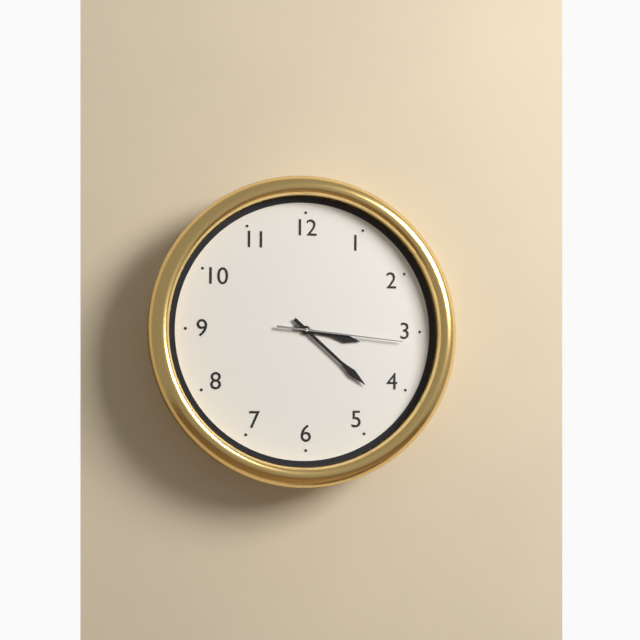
3:22:16
